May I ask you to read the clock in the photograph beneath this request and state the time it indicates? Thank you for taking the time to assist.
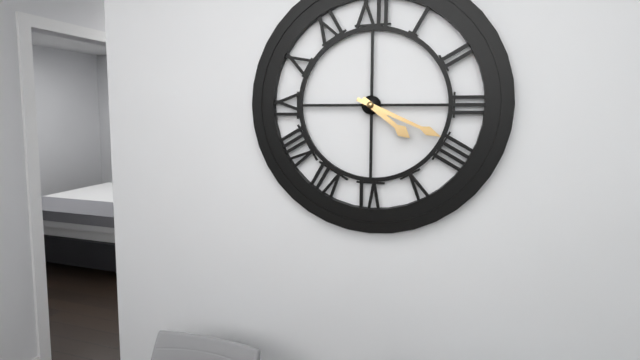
4:19
